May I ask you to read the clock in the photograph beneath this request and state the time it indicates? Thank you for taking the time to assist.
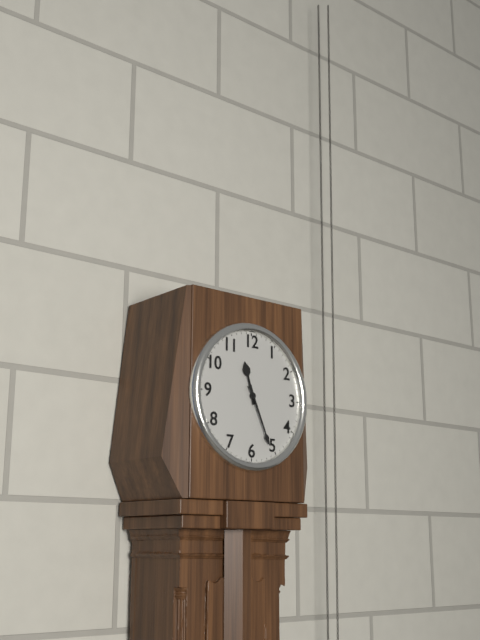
11:26
